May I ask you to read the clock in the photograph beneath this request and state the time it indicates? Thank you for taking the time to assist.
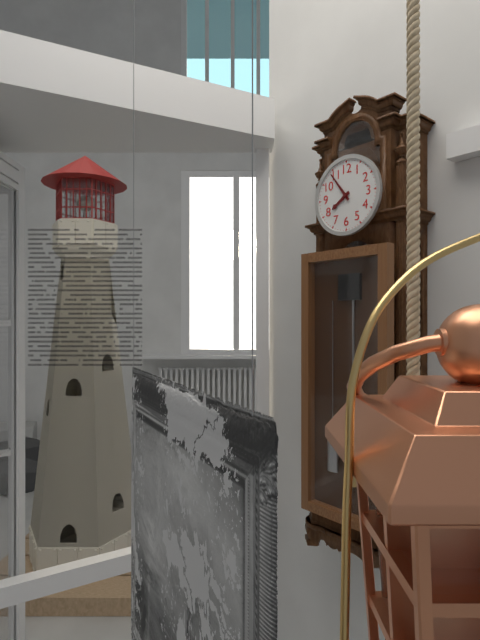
7:54
